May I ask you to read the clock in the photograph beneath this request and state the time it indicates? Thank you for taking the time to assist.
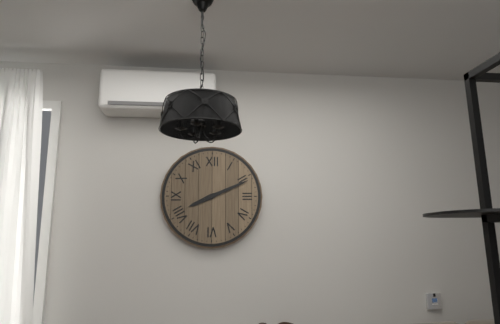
8:11
